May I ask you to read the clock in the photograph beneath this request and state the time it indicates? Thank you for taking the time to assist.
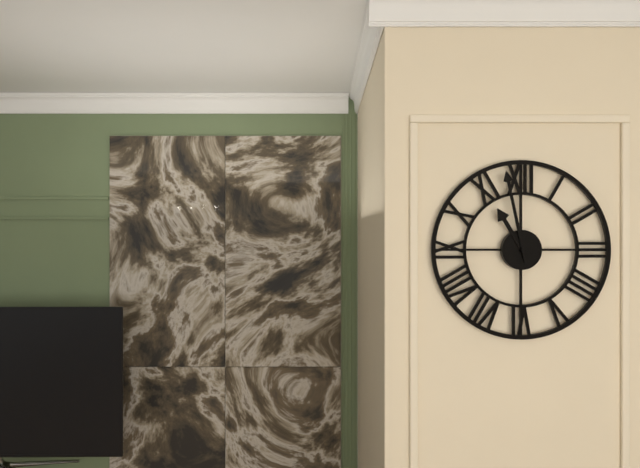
10:58
